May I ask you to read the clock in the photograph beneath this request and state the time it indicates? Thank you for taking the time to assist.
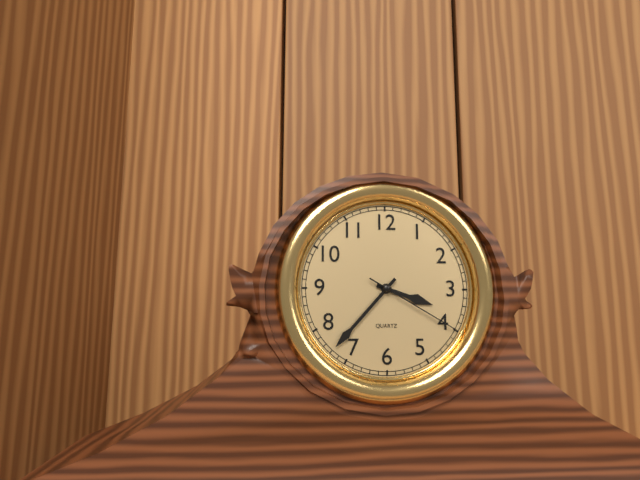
3:37:20
